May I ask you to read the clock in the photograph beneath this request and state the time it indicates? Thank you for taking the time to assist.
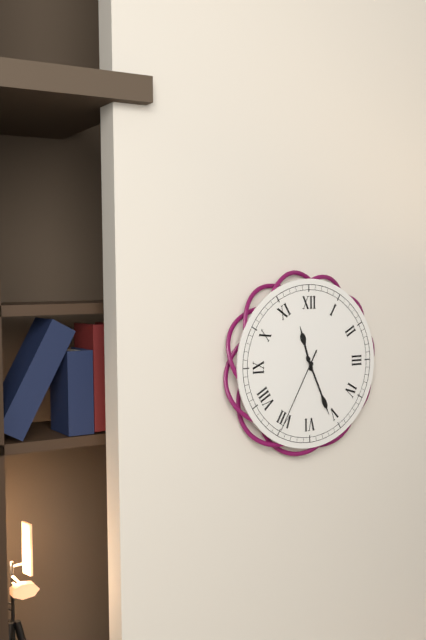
11:26:35
